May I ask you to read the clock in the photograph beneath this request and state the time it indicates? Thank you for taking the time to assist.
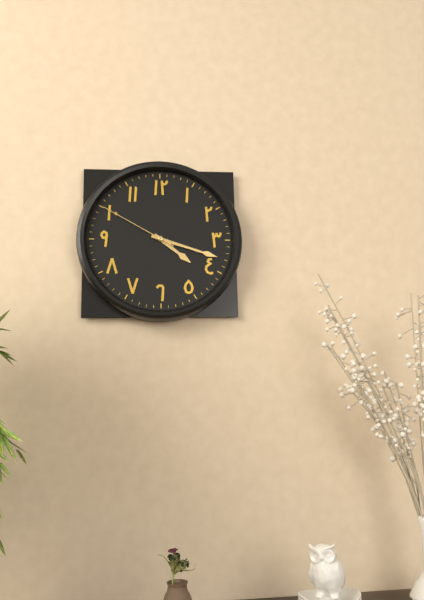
4:18:50
